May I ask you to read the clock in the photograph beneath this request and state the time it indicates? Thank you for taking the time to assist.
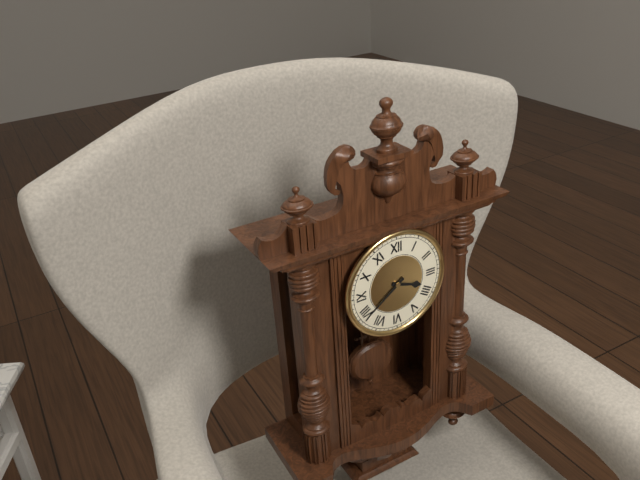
3:39
